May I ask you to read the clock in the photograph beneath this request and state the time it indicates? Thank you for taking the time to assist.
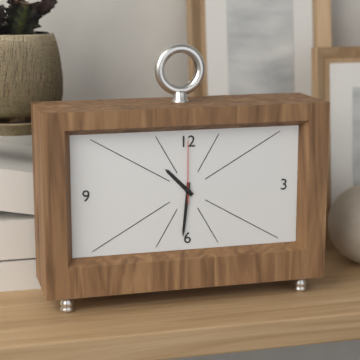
10:31:00
